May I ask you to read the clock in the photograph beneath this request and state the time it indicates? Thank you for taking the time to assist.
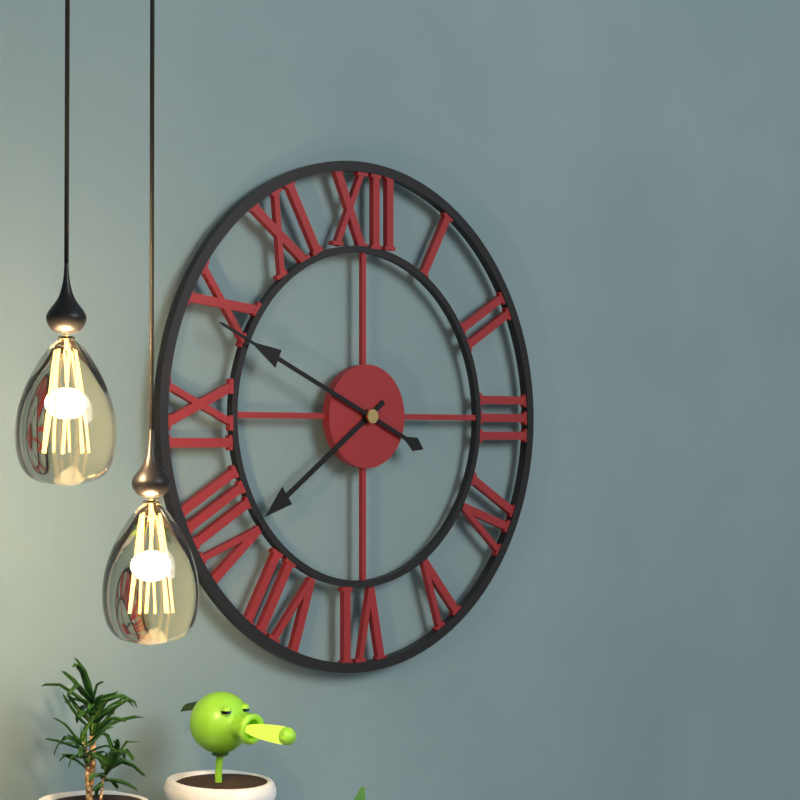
7:49
